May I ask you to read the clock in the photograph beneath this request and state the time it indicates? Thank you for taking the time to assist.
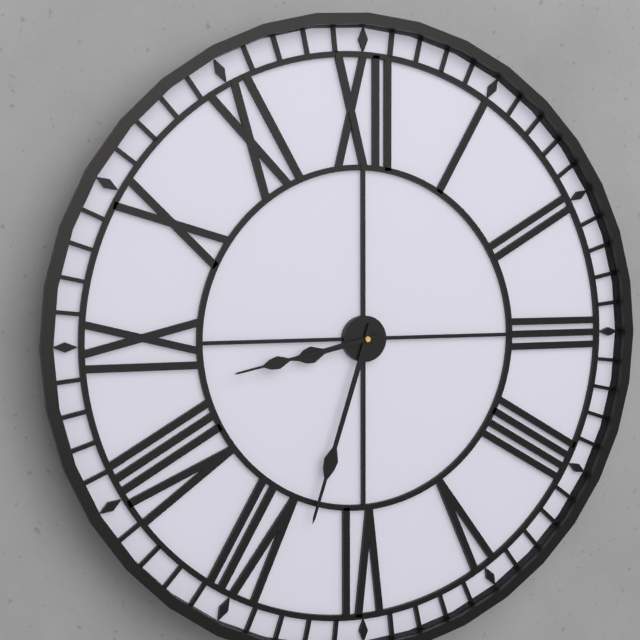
8:33:43
